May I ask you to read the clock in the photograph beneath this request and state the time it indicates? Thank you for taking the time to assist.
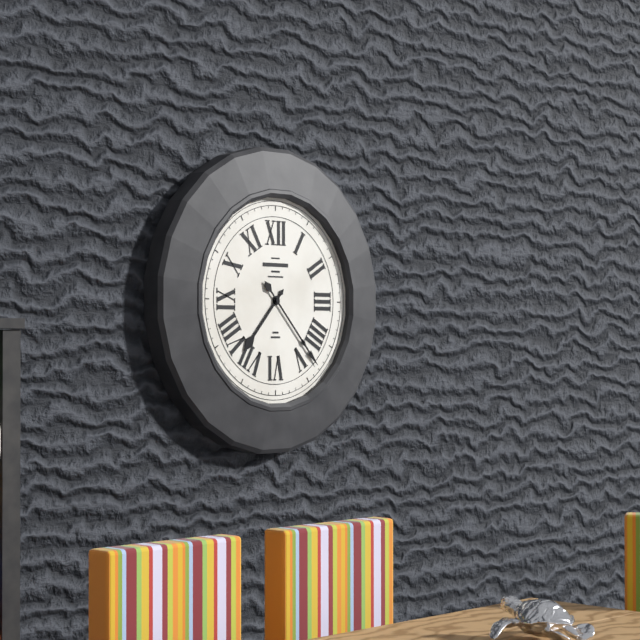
7:23
